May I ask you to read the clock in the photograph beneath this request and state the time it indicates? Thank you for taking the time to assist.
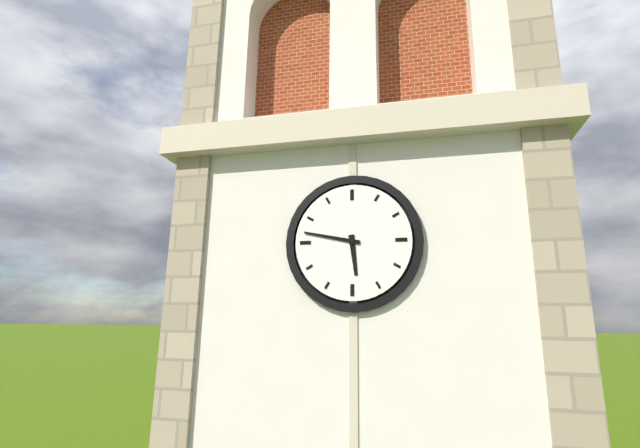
5:47
